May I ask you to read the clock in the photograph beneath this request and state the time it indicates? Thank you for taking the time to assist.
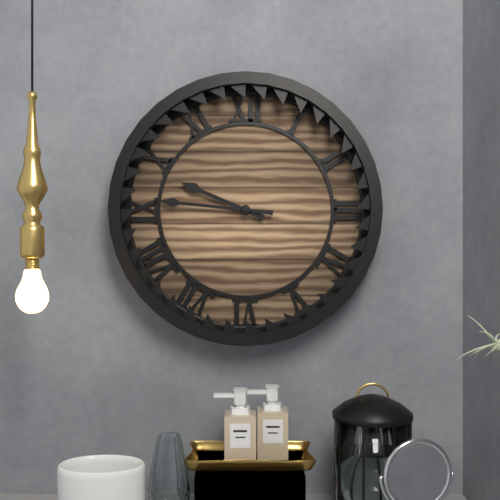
9:46
